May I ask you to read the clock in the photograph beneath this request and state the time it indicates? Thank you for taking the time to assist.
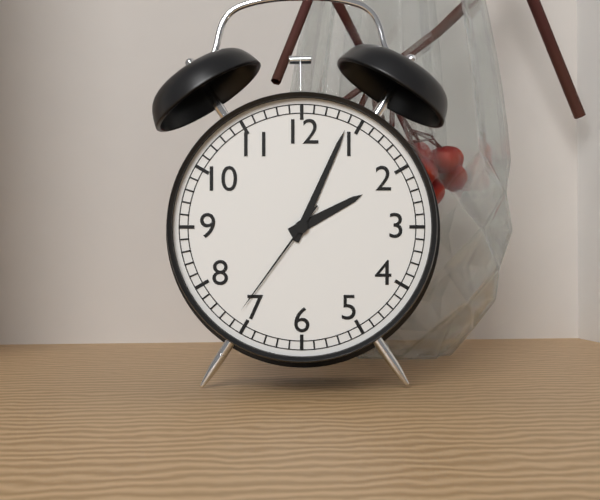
2:04:36
